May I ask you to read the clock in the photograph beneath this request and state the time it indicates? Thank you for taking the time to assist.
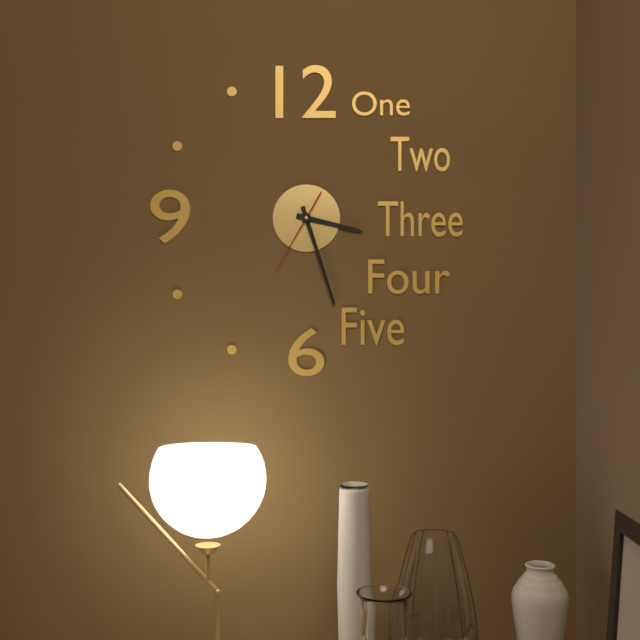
3:27:35
